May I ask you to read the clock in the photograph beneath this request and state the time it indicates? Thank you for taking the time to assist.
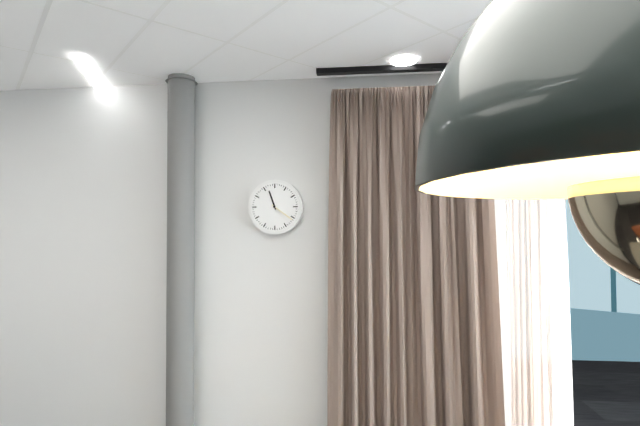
11:21
